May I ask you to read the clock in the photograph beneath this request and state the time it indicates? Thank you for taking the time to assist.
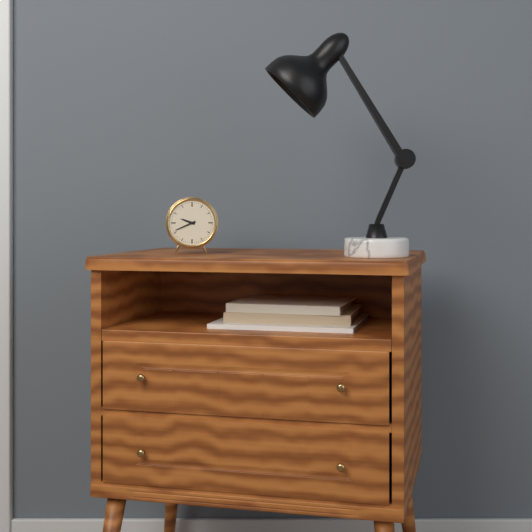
9:41
